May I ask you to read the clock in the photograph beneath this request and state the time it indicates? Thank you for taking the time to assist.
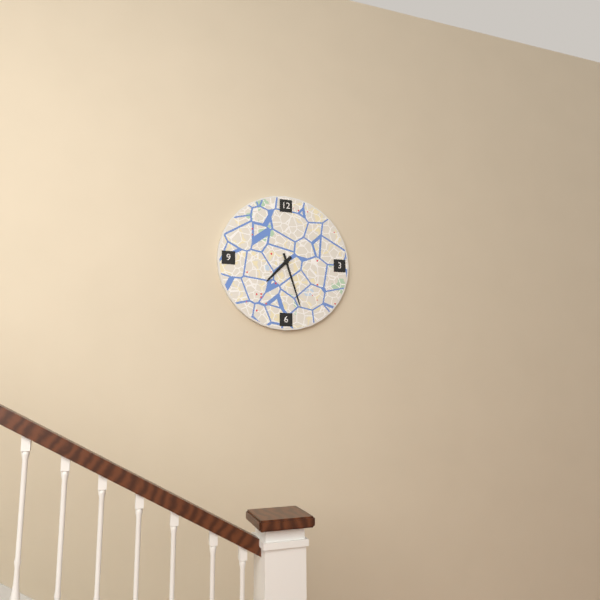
7:27
